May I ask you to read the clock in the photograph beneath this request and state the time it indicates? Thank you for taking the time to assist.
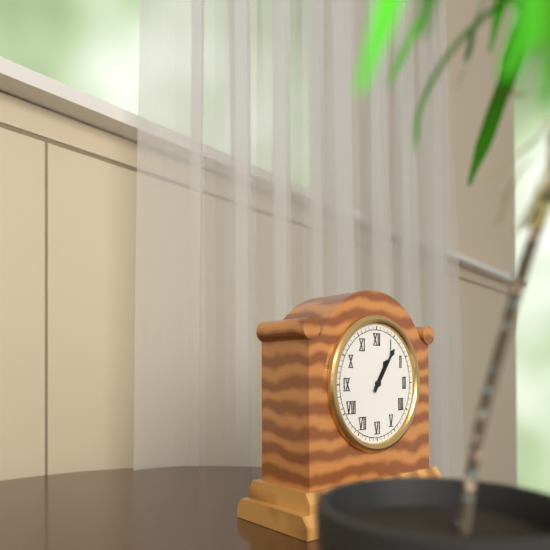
1:06
